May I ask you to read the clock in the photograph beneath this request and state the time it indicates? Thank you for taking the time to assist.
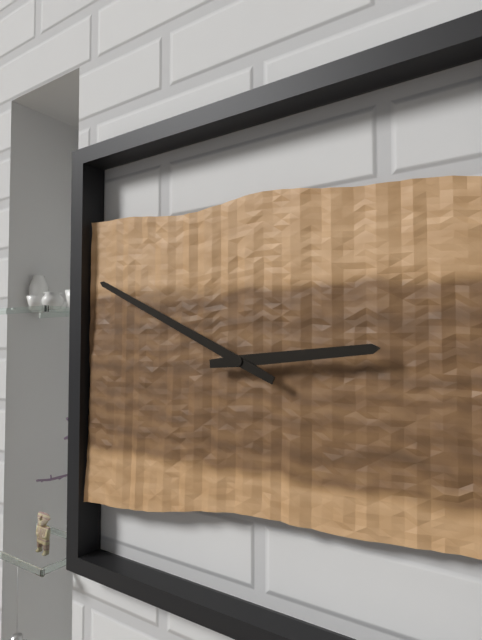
2:49
